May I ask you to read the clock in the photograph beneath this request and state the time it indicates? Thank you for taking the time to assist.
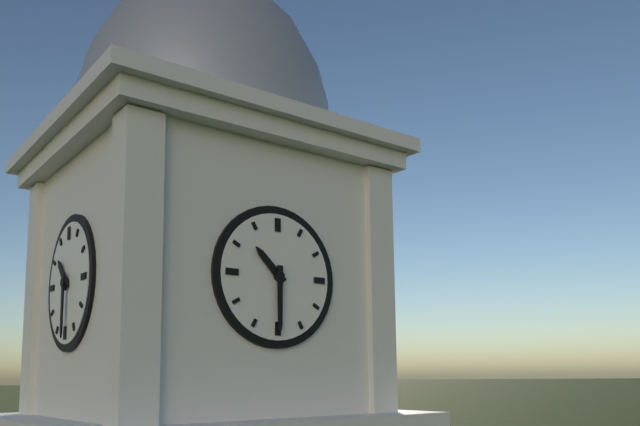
10:30
